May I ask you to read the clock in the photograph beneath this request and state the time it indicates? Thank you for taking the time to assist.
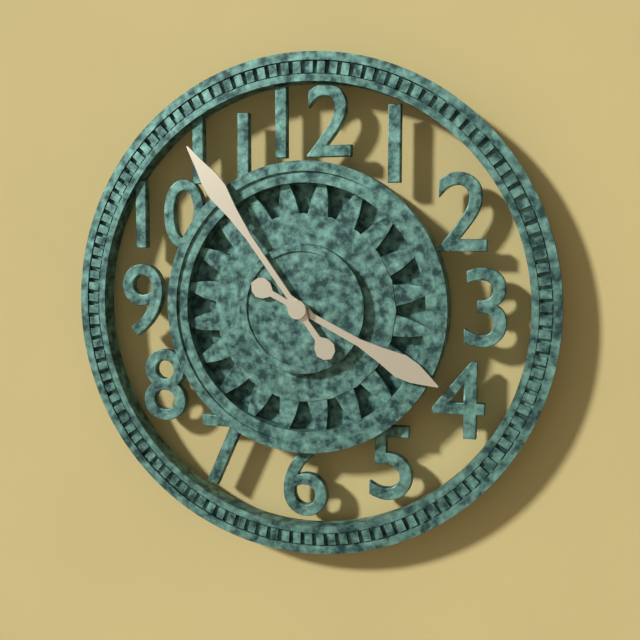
3:54
